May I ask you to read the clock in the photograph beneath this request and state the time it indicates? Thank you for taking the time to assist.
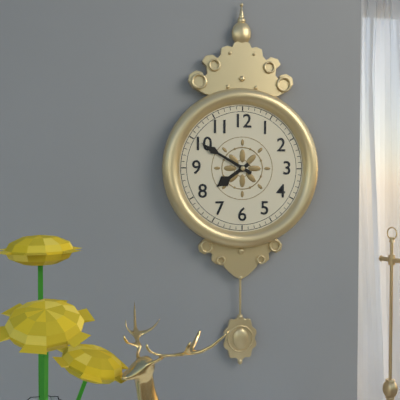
7:50
